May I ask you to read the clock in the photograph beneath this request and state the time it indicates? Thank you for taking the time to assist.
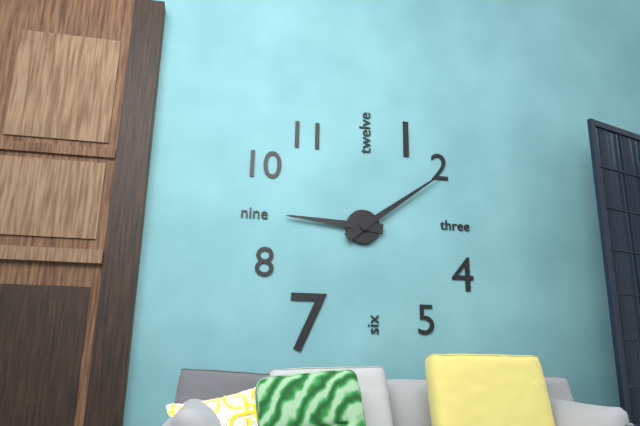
9:09
